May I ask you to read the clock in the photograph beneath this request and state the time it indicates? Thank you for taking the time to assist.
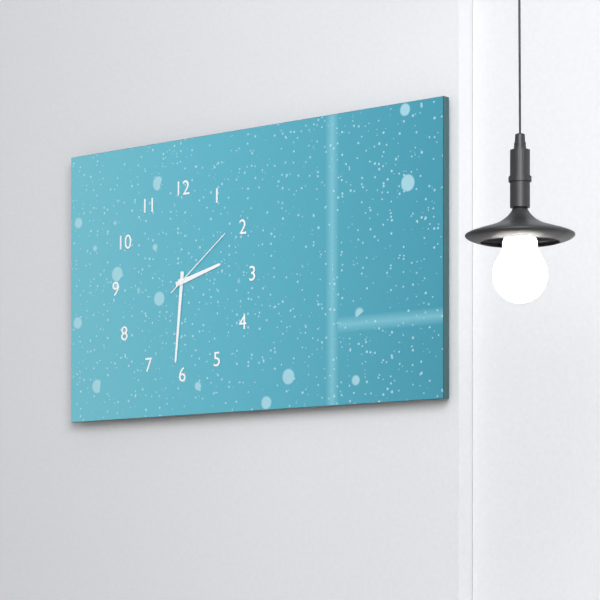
2:31:09
